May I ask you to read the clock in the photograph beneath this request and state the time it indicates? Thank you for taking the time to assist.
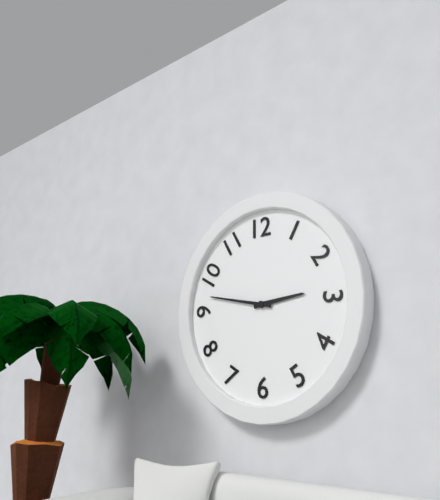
2:47
